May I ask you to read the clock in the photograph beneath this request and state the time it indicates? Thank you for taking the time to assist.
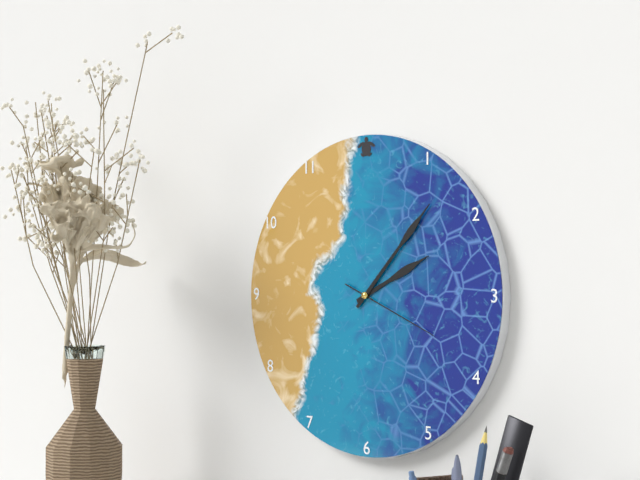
2:07:19
